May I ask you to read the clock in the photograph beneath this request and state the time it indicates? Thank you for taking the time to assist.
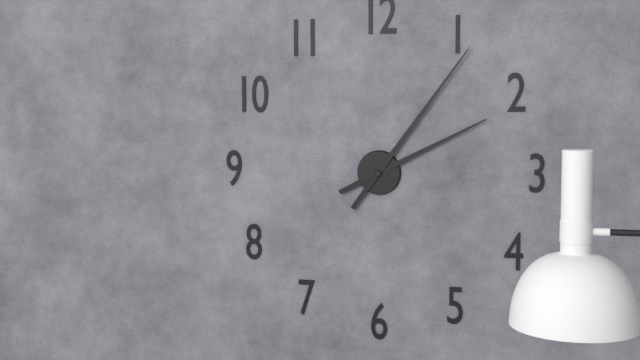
2:06
